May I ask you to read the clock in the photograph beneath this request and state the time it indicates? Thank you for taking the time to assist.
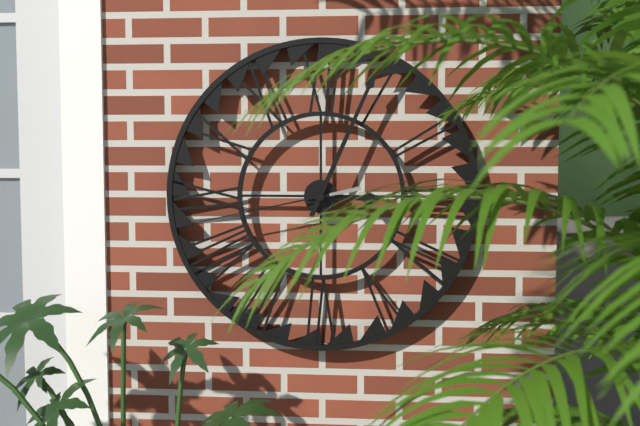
3:04:43
